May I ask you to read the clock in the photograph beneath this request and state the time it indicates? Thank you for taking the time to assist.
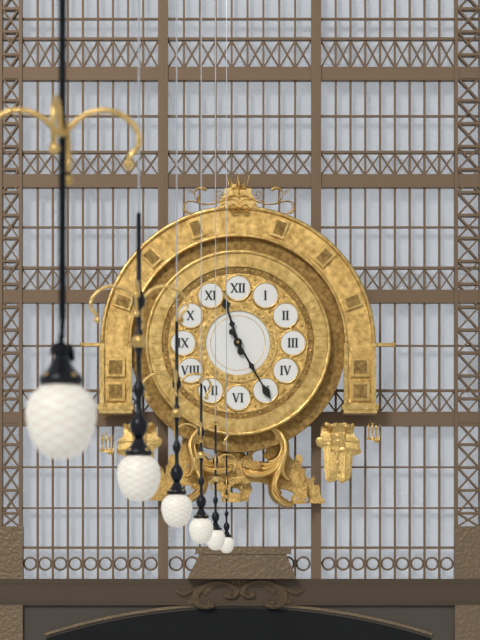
11:25
